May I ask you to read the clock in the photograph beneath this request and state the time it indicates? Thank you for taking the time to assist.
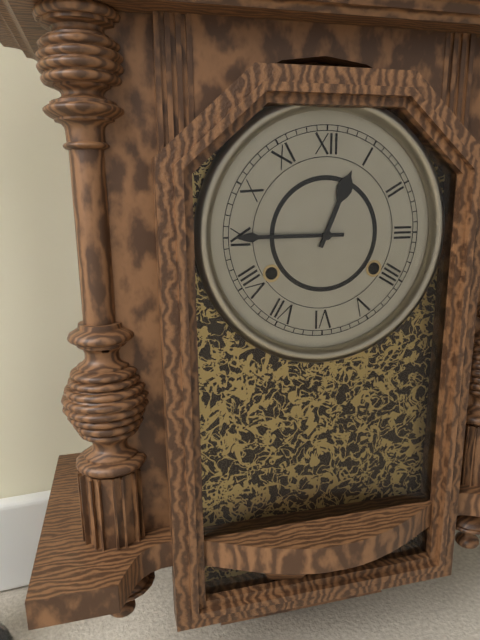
12:45
